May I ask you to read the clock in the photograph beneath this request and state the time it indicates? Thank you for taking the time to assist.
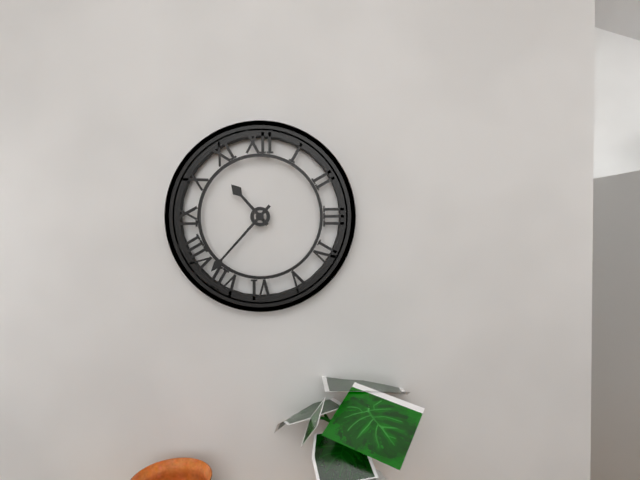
10:37
